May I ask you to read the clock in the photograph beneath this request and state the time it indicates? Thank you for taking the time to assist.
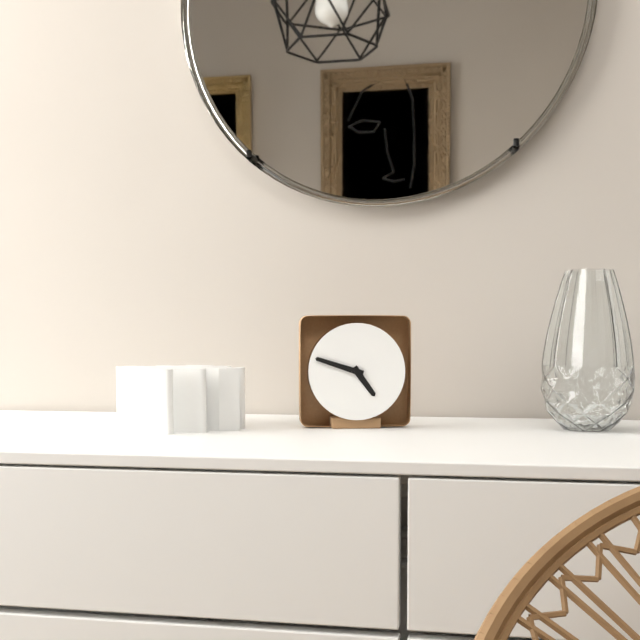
4:48
